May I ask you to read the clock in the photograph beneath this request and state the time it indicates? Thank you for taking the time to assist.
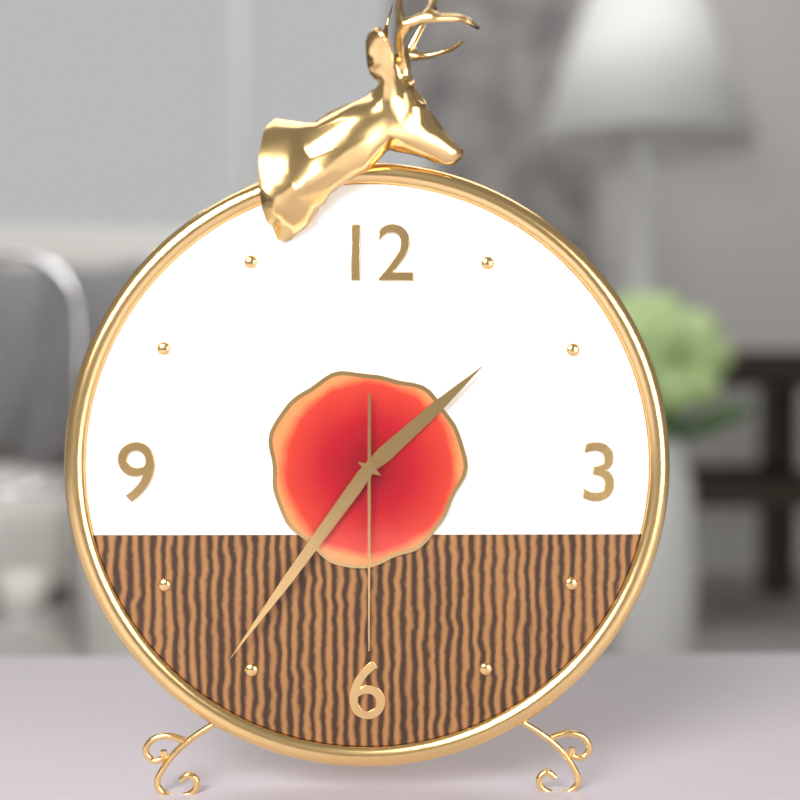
1:36:30
